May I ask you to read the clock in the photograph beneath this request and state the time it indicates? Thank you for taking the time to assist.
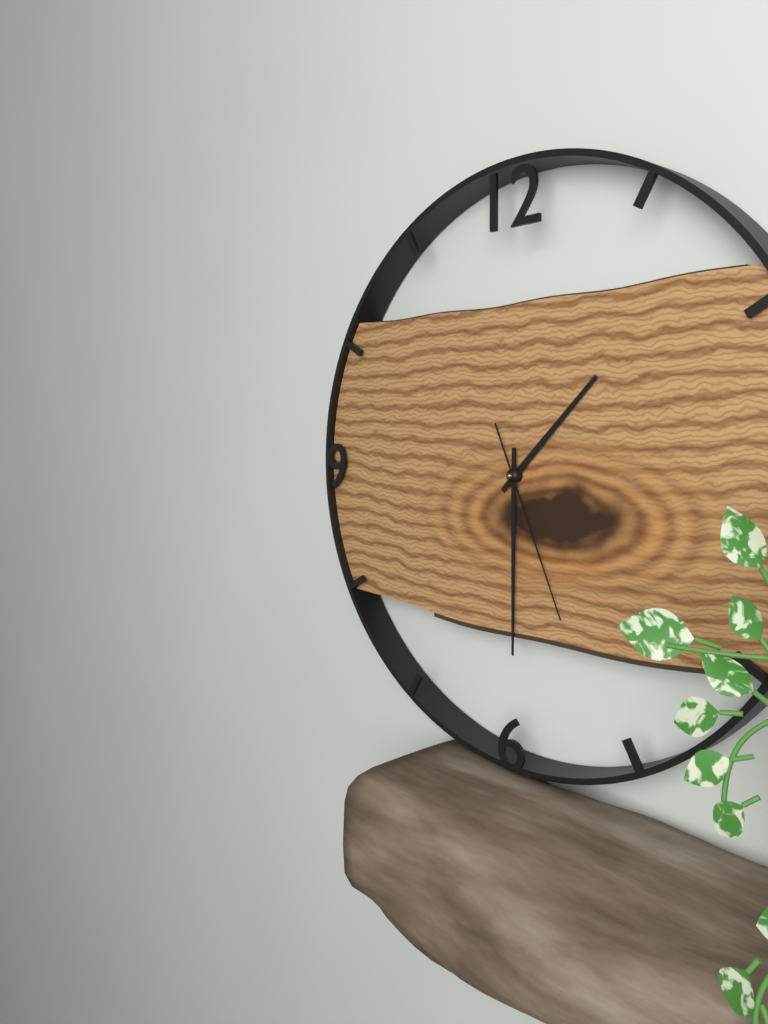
1:30:26
